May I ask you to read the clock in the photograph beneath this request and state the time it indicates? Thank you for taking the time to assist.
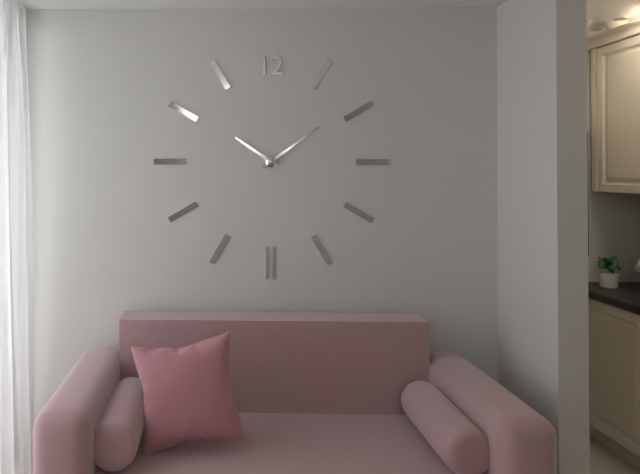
10:09
